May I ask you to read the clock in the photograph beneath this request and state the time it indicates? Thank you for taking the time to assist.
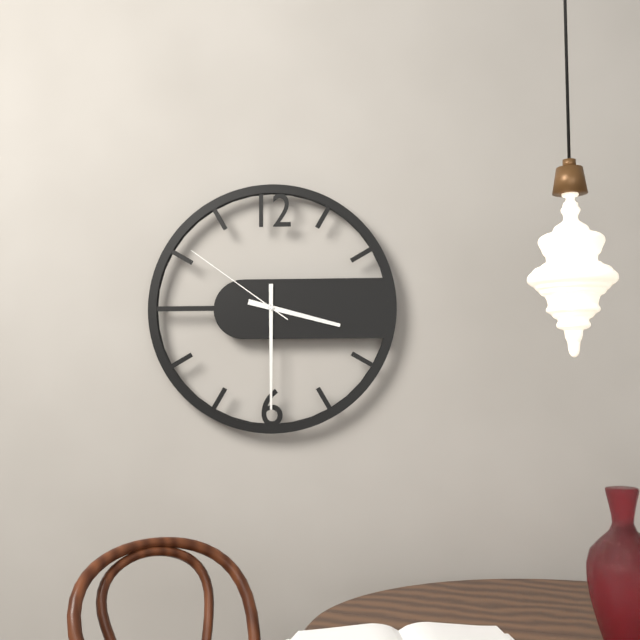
3:30:51
